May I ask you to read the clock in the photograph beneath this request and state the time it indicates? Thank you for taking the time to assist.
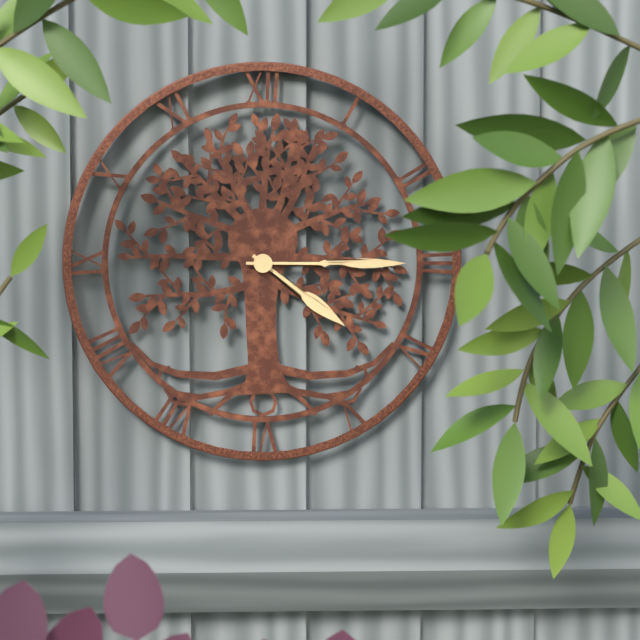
4:15
